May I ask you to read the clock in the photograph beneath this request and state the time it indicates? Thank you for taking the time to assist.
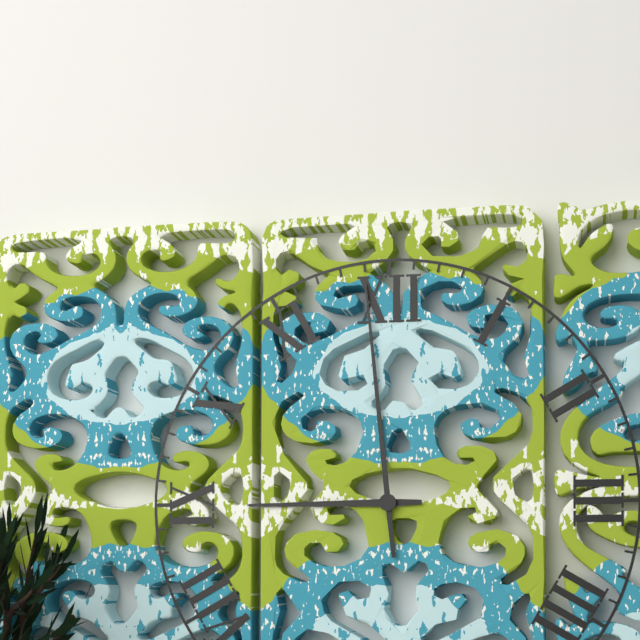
8:59
